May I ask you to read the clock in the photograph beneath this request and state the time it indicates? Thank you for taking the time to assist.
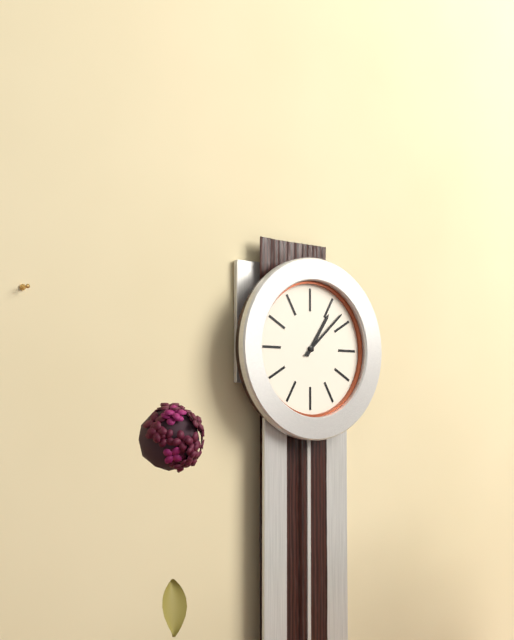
1:08
